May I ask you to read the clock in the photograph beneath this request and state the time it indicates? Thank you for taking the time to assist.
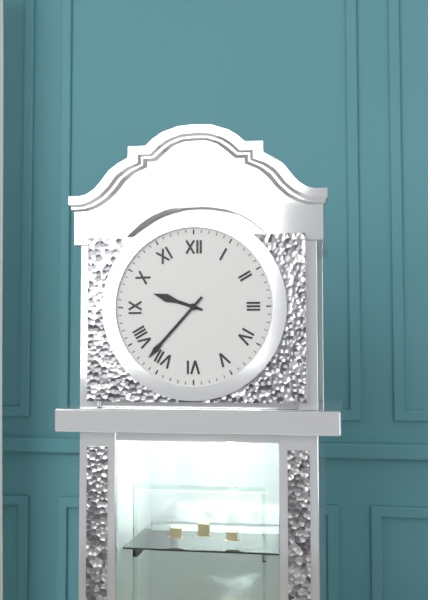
9:37
